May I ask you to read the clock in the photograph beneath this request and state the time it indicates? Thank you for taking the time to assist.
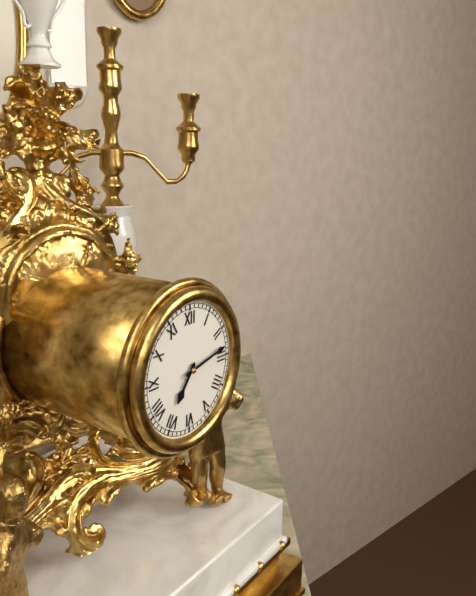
7:13
